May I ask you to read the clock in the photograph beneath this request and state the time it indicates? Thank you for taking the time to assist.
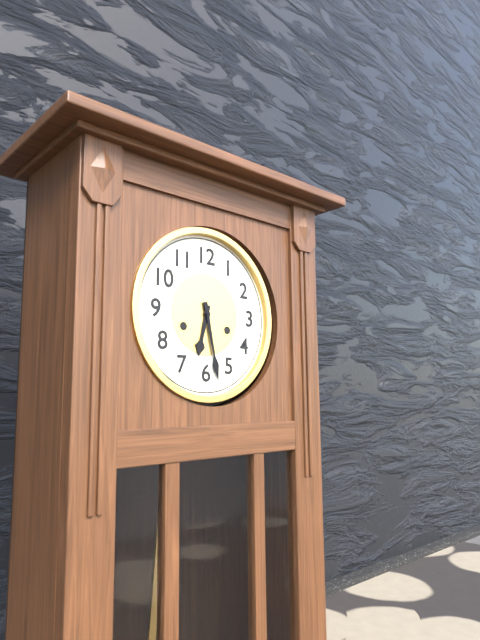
6:28
